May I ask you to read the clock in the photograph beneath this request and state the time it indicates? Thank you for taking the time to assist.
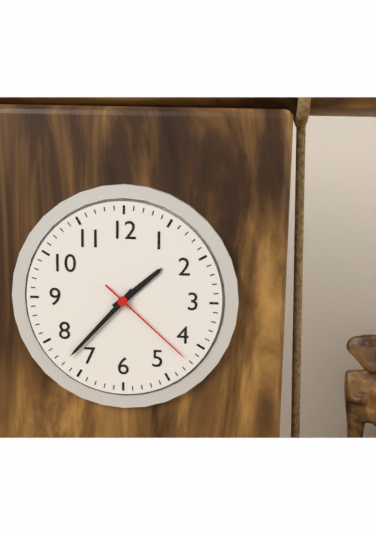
1:37:22
